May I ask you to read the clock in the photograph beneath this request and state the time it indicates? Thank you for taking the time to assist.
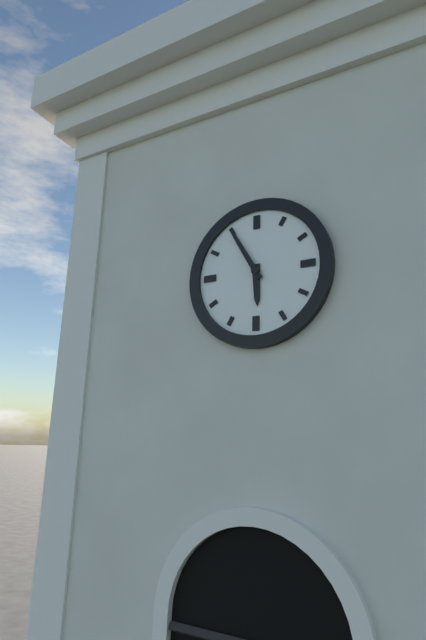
5:55
